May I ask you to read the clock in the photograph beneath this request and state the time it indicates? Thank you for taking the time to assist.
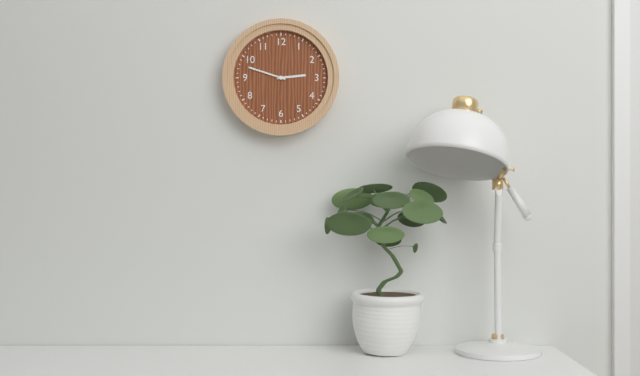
2:48
